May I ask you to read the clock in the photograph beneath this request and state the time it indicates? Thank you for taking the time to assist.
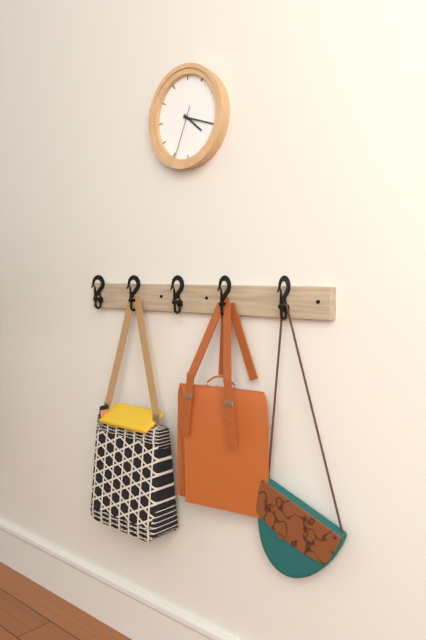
4:18:34
